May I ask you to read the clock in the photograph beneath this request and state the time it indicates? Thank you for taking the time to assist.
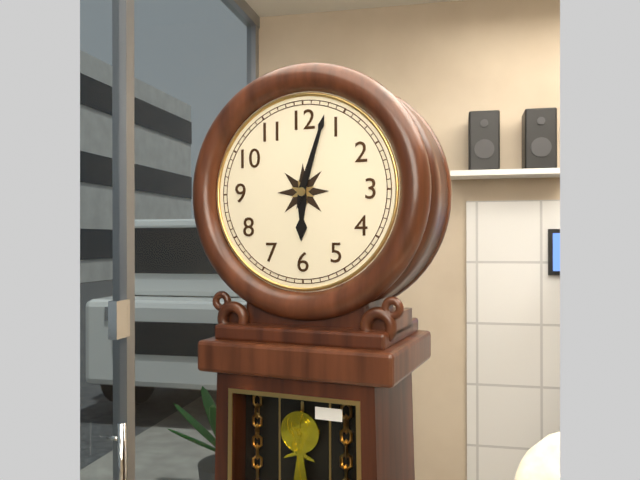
6:03
